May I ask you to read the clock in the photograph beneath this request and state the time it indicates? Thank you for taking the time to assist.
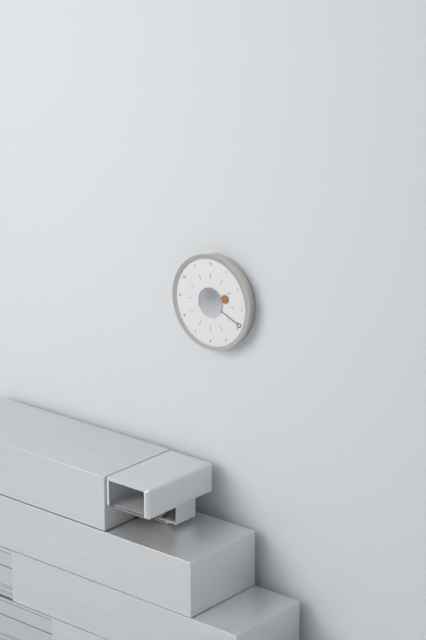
2:19
